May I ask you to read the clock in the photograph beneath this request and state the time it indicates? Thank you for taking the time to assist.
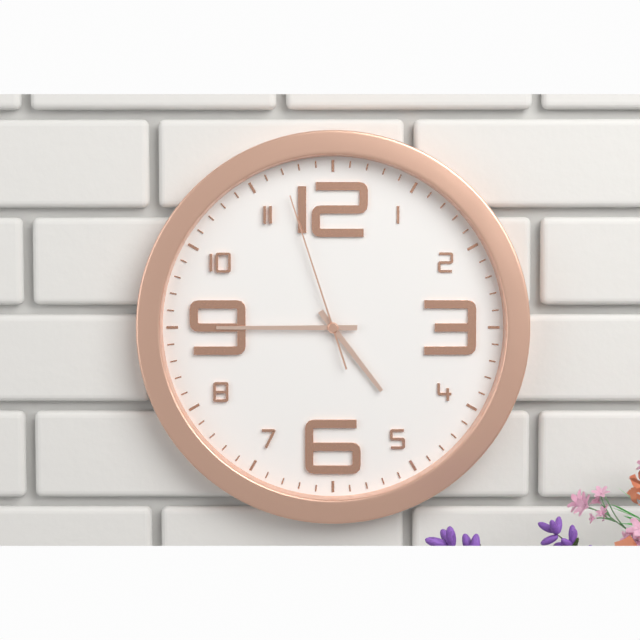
4:45:57
